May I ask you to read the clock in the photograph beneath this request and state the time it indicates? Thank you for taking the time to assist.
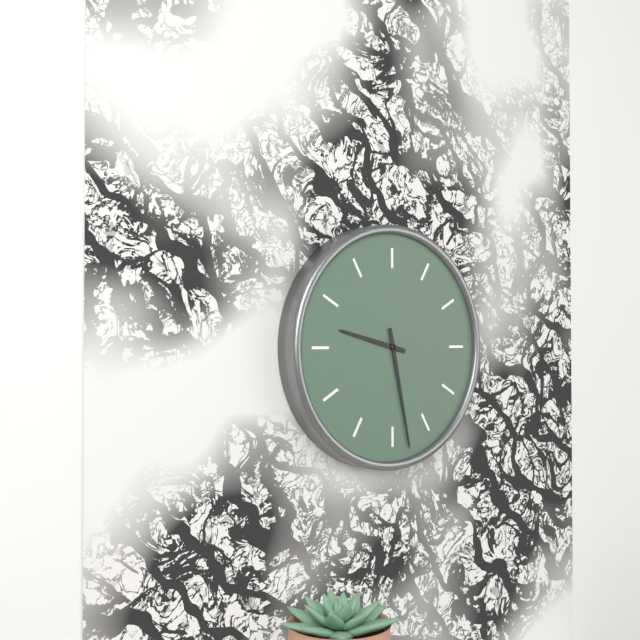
9:28
